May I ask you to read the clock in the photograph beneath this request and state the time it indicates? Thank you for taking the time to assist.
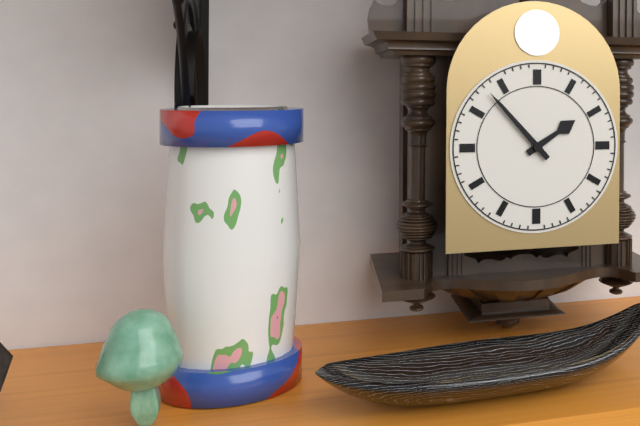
1:53
